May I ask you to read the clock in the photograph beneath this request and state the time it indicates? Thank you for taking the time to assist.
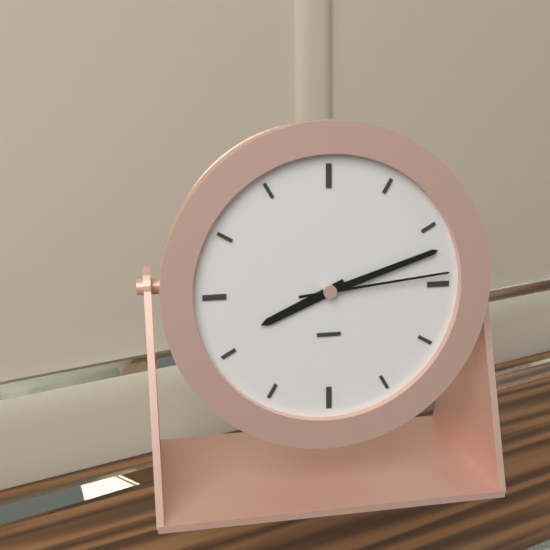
8:12:14
